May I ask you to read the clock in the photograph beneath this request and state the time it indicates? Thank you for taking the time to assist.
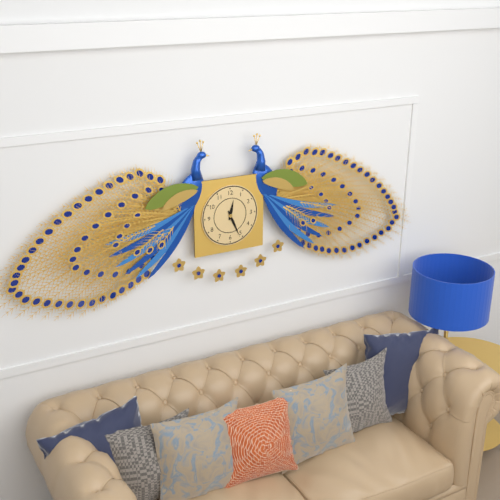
12:26
